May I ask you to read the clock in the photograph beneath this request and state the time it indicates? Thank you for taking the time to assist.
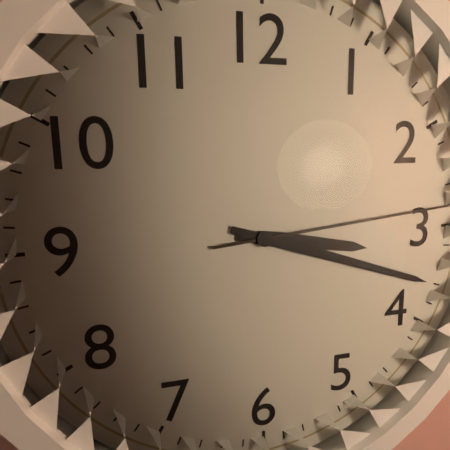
3:18:14
